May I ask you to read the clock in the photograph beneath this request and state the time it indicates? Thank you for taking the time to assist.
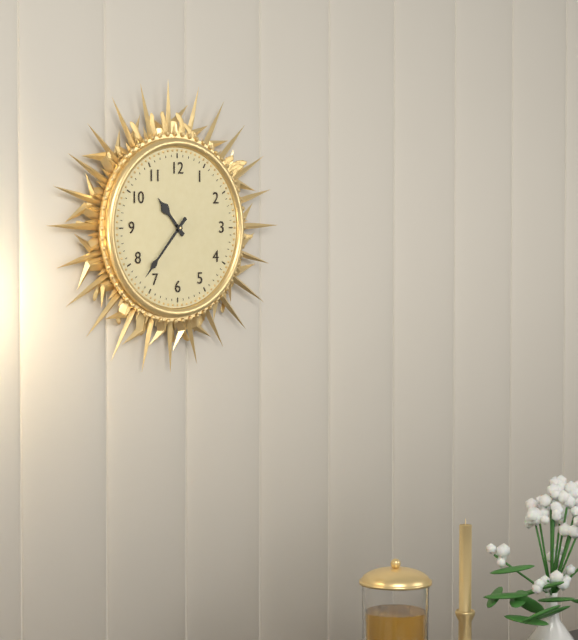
10:37
